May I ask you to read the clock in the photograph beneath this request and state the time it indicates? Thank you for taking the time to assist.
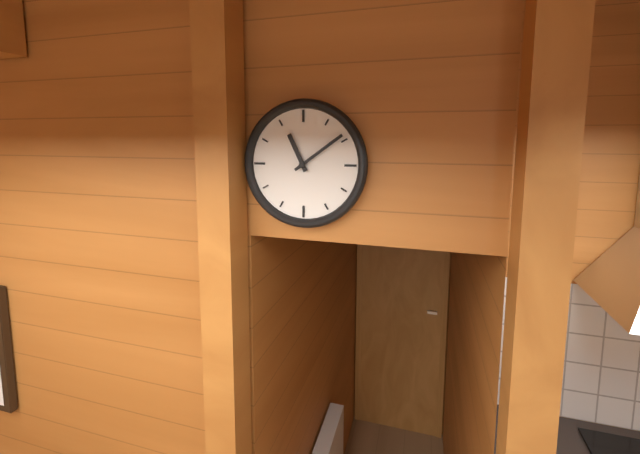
11:09
